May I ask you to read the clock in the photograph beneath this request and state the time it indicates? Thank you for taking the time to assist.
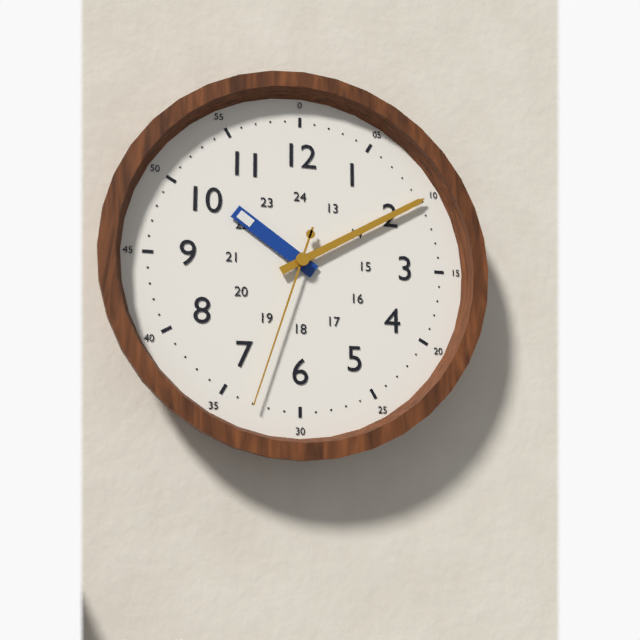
10:10:33
